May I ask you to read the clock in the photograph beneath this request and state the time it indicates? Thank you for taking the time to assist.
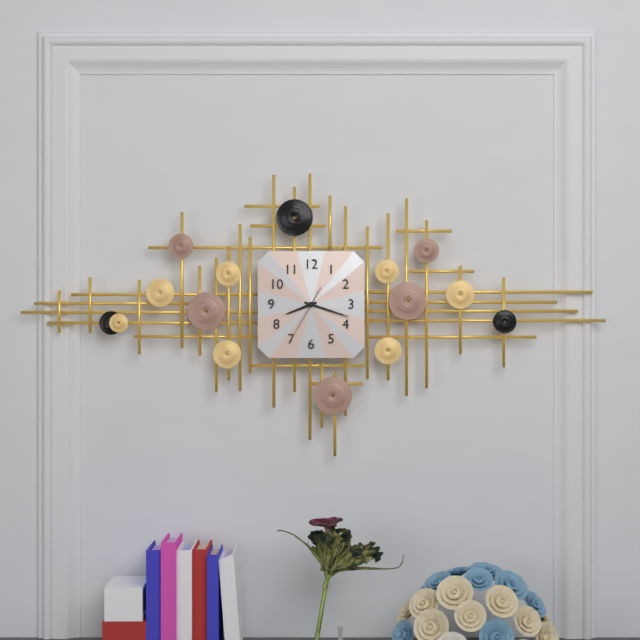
8:18:35
